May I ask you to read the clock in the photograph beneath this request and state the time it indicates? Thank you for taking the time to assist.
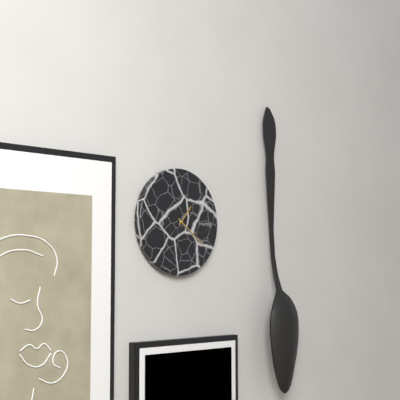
1:21
